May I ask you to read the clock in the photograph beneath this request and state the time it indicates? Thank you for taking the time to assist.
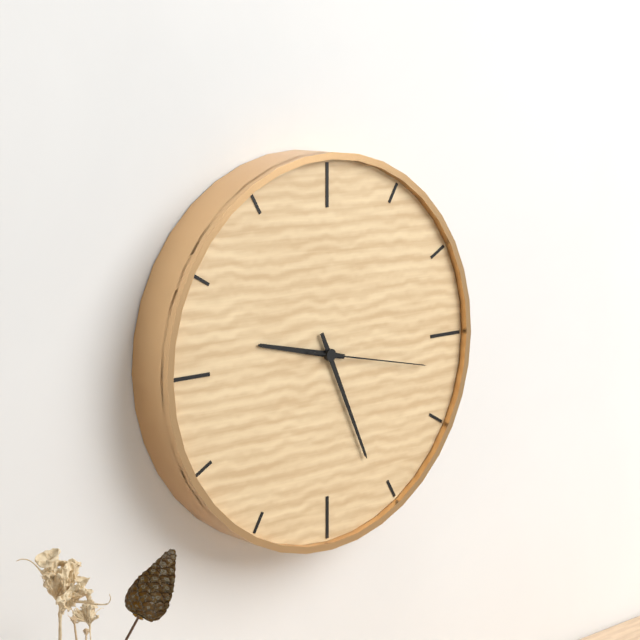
9:26:17
